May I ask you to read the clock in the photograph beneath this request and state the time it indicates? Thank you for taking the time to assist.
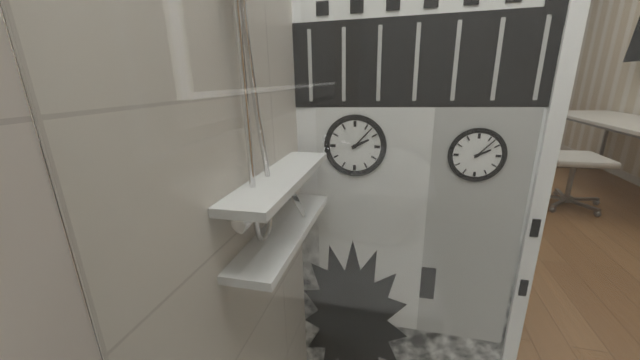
2:07
